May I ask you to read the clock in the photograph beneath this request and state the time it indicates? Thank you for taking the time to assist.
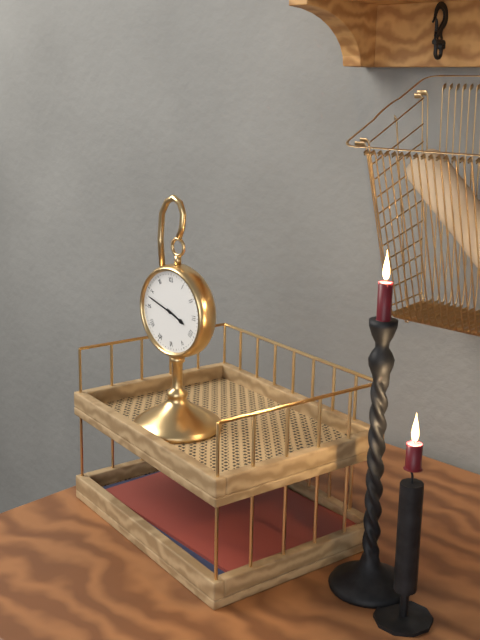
3:48
